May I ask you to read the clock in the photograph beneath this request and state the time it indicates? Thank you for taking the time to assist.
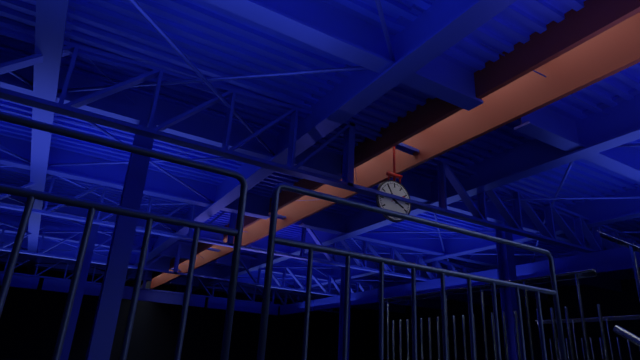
3:55
